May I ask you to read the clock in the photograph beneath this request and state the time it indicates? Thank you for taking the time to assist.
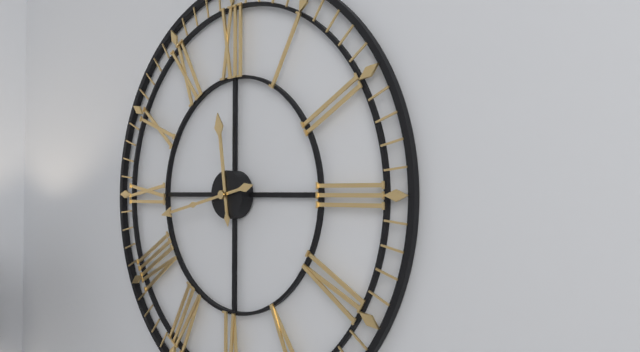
11:43
